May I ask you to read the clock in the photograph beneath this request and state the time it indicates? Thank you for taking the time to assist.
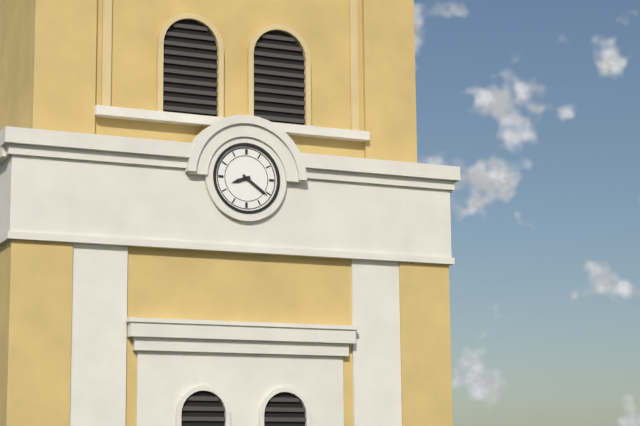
8:21
